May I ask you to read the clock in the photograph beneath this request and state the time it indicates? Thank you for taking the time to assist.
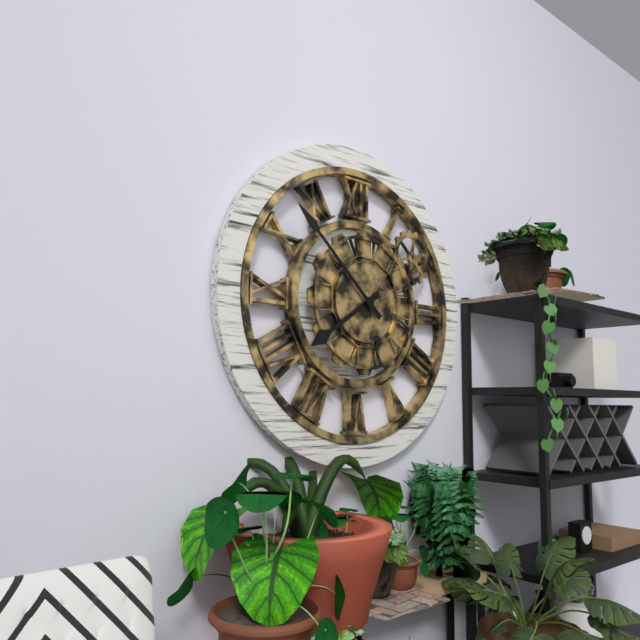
7:52
